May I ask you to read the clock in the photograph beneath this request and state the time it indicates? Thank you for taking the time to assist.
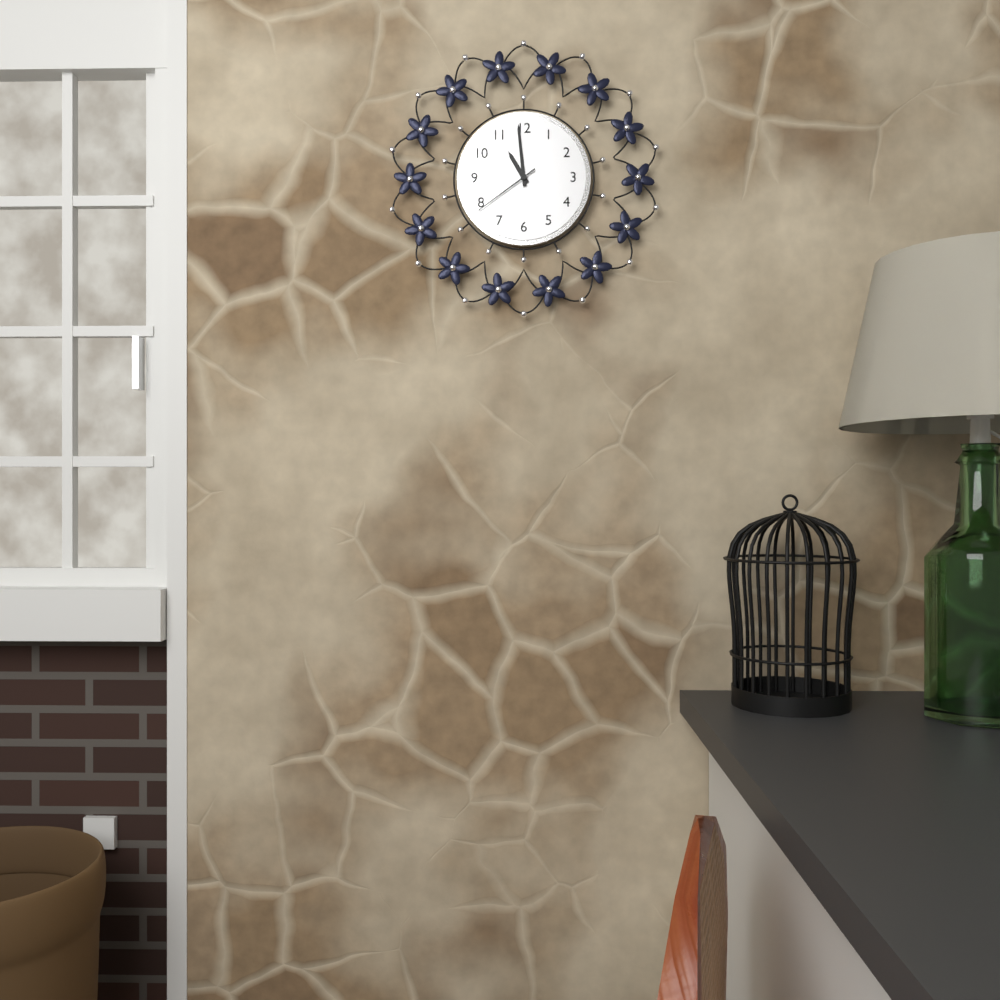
10:59:39
